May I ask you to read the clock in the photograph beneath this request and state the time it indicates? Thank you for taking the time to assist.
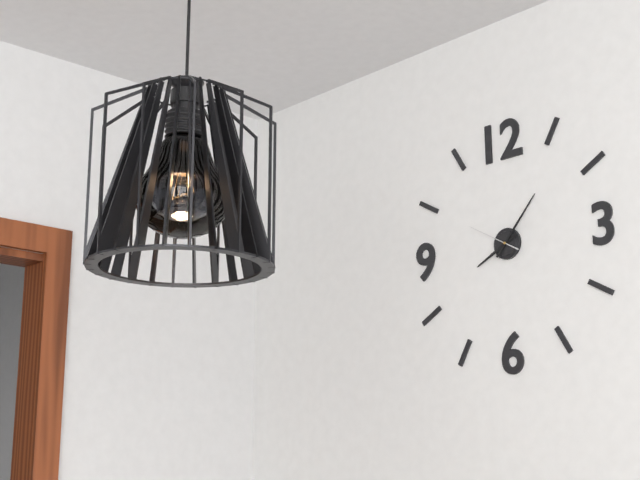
8:07:50
